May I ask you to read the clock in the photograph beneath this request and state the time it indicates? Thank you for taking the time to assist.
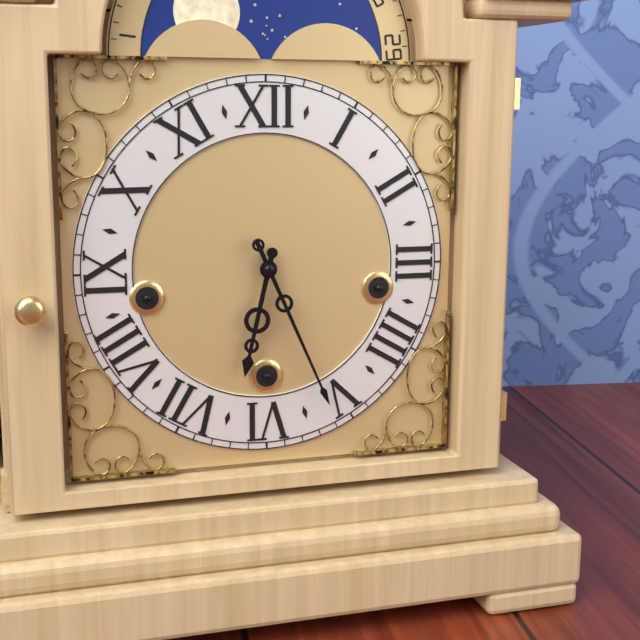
6:26
